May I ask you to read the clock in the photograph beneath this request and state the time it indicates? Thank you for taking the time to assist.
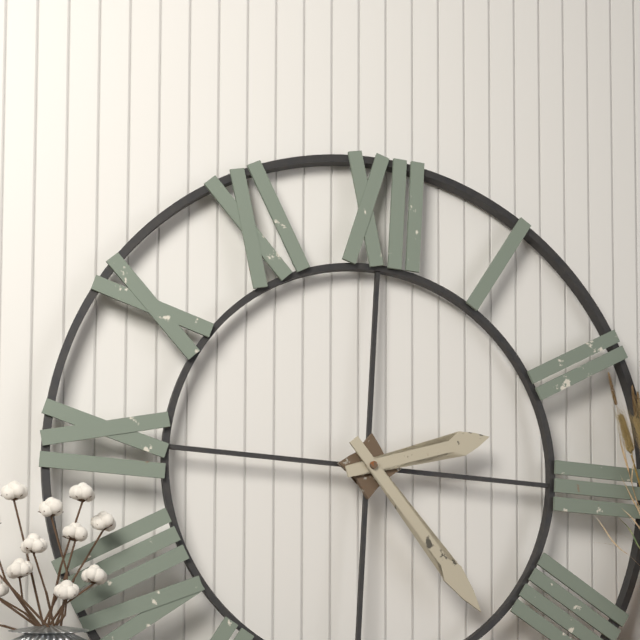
2:23
